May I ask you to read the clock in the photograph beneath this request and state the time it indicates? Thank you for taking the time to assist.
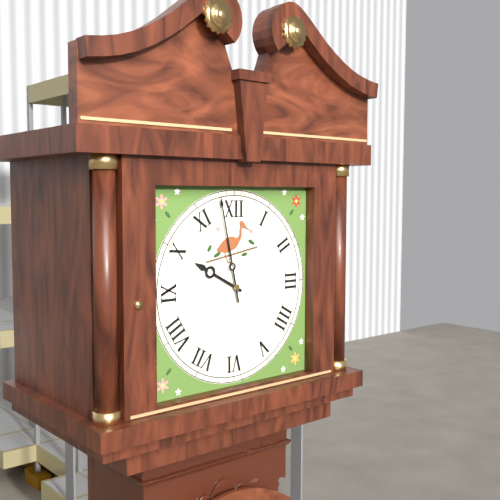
9:58
